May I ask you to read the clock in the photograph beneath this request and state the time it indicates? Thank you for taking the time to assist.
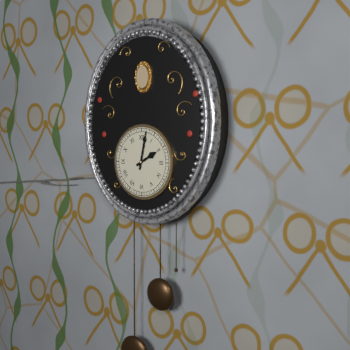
2:02
